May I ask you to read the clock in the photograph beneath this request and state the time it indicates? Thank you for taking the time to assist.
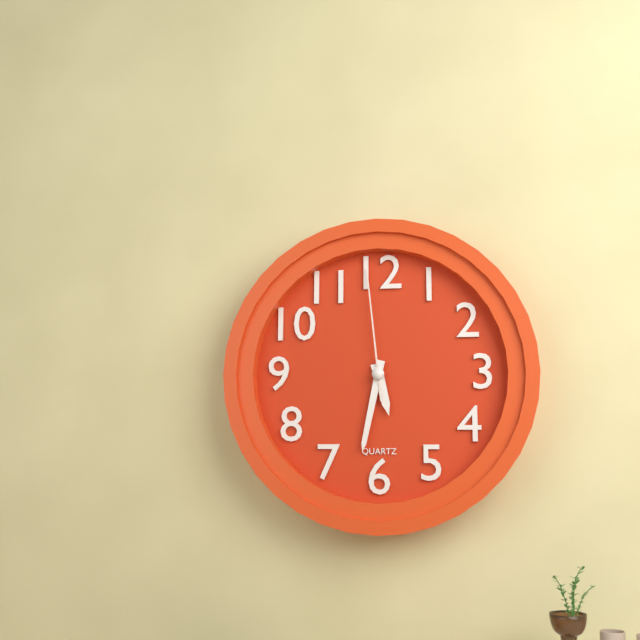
5:32:59
